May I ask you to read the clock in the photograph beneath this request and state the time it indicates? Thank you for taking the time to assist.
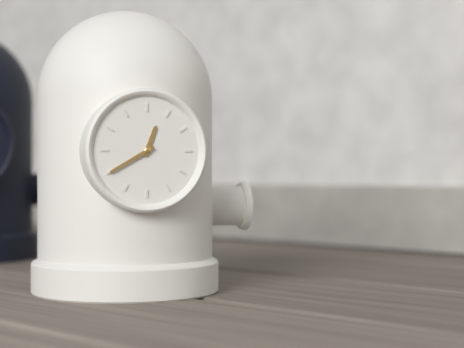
12:40
